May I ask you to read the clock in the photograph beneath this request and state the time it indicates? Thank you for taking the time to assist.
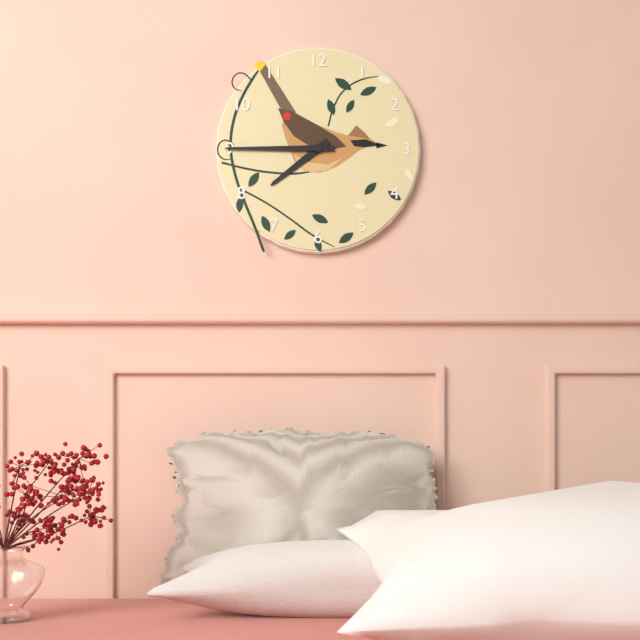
7:45
